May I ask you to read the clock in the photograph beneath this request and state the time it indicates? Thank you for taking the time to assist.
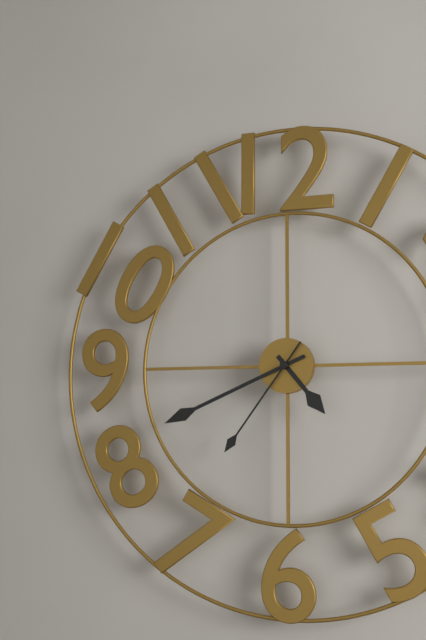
4:41:36
